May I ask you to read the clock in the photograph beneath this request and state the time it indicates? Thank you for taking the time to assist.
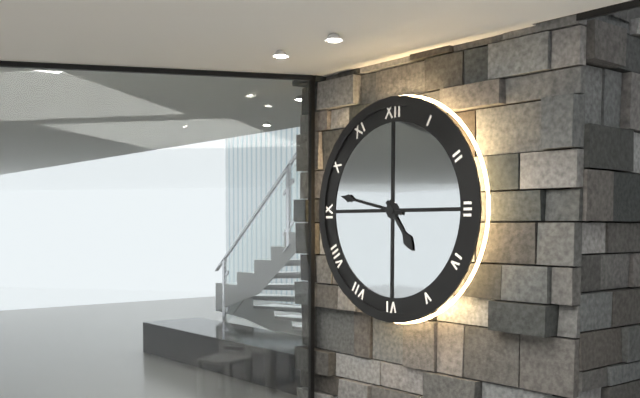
4:47
